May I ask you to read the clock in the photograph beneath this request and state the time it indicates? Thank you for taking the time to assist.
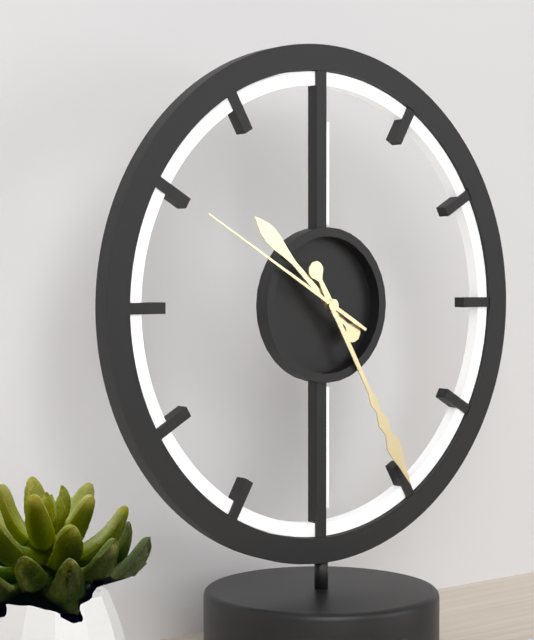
10:25:50
